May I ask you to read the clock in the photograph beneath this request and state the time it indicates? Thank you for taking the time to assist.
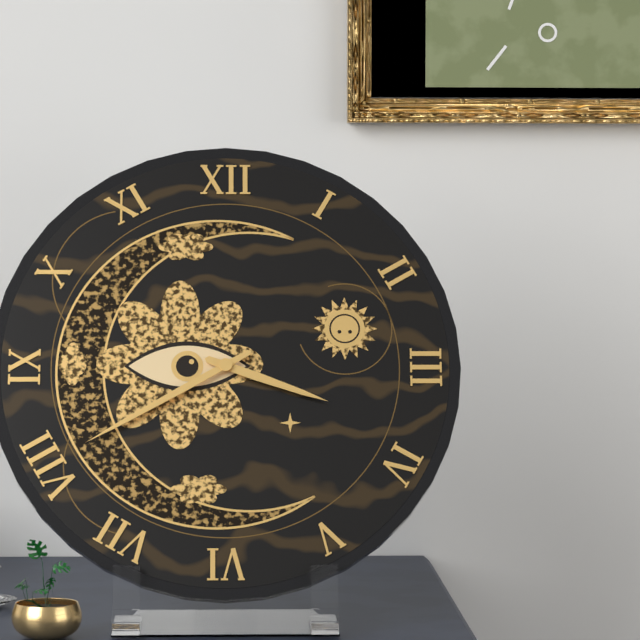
3:40
